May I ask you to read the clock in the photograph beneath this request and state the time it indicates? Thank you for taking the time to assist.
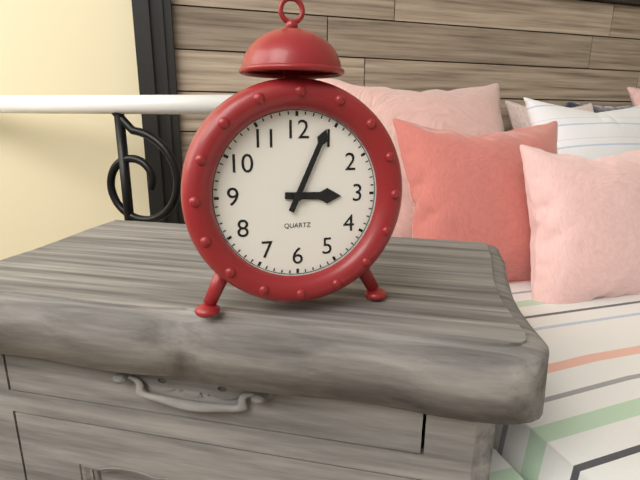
3:04
